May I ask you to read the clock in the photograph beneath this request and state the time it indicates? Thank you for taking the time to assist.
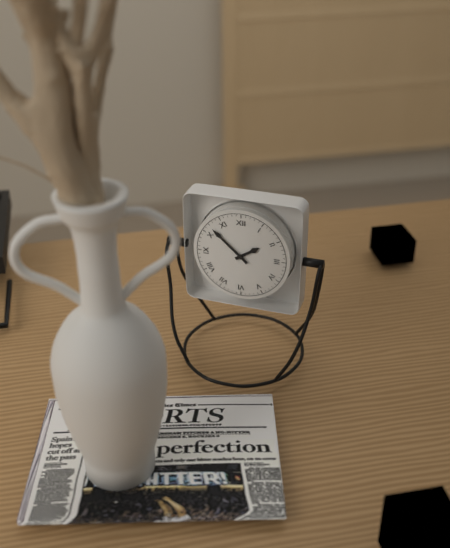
1:52
